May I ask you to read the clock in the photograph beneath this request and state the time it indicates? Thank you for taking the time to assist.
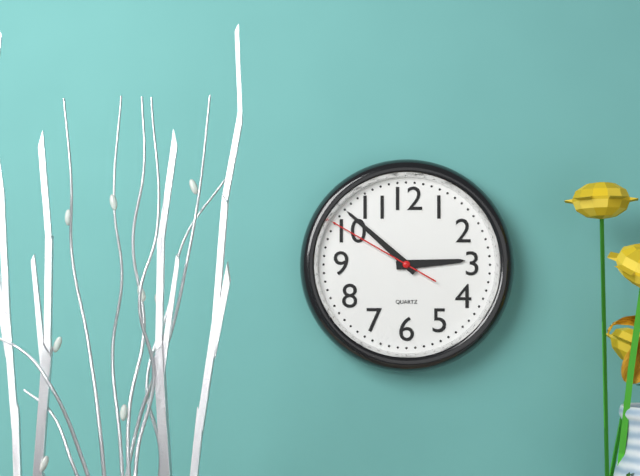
2:52:50
